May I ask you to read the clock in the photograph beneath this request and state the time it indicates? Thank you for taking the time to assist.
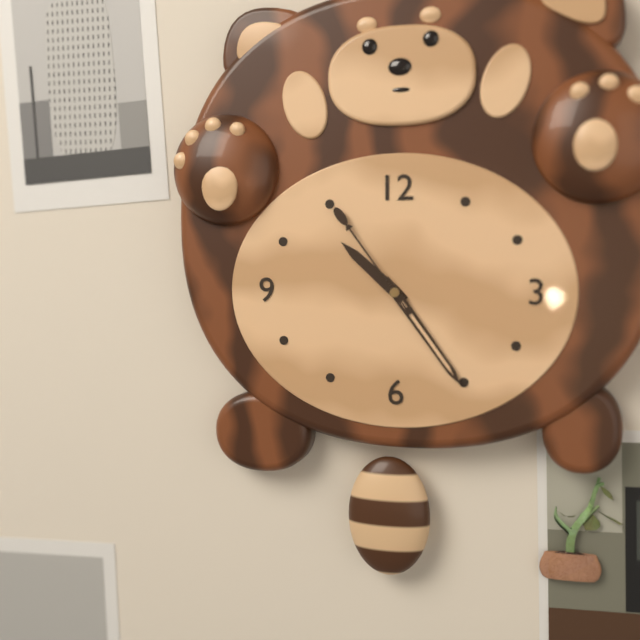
10:24:54
